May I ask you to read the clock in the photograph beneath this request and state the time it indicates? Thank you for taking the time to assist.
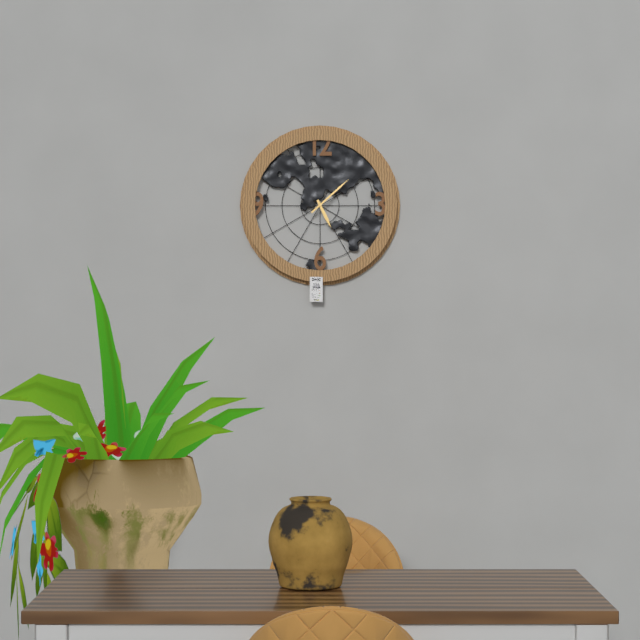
5:08
